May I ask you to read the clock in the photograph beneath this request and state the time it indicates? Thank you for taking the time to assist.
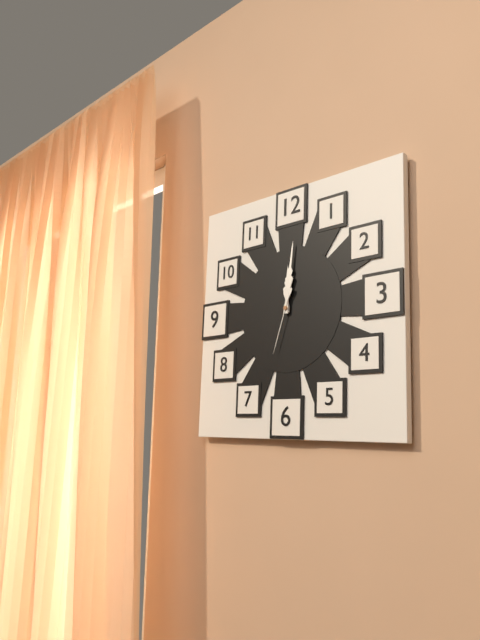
12:01:33
